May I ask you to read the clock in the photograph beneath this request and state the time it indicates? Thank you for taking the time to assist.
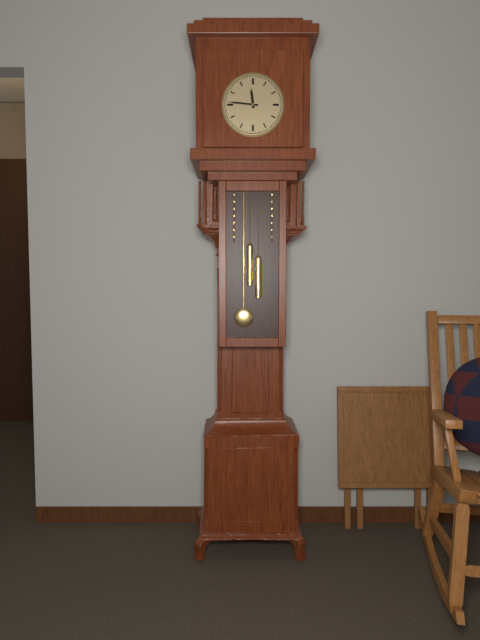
11:46
